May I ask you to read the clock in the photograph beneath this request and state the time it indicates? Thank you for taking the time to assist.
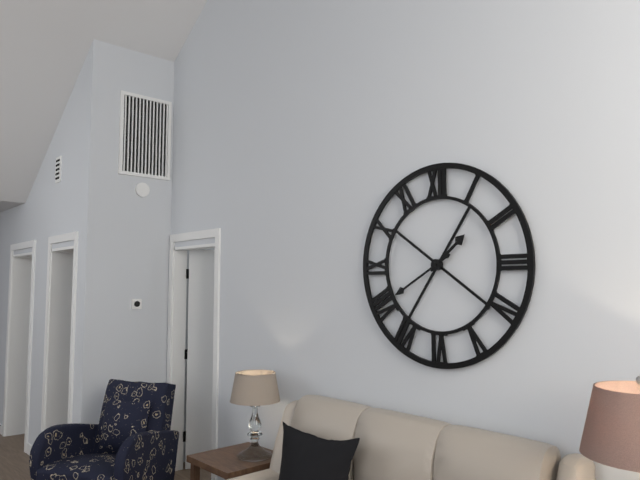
1:40
